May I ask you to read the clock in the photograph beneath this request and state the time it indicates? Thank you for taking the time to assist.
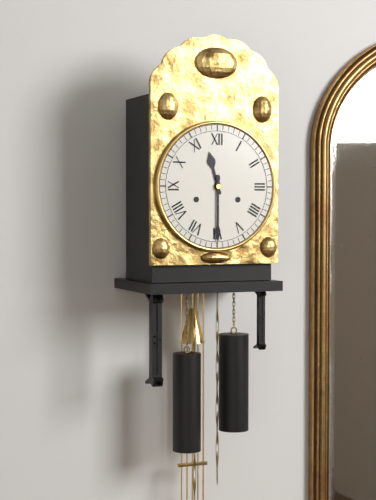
11:30
